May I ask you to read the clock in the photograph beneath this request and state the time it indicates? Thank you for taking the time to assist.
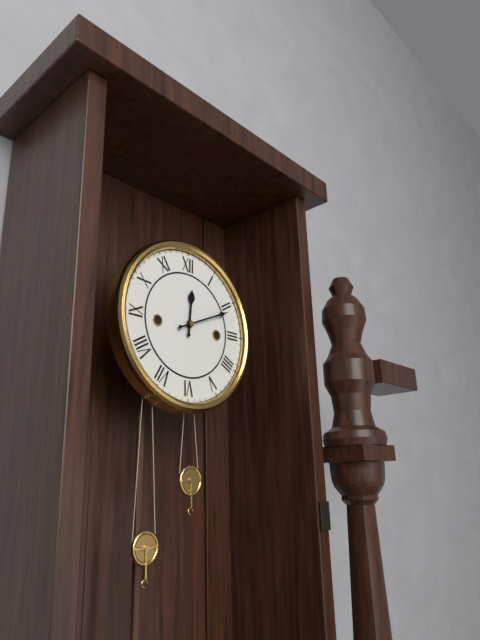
12:11
